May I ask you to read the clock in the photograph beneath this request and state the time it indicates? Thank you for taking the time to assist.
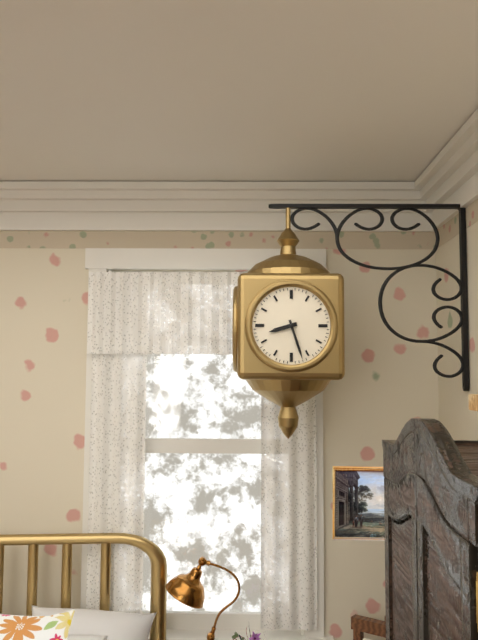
8:27
